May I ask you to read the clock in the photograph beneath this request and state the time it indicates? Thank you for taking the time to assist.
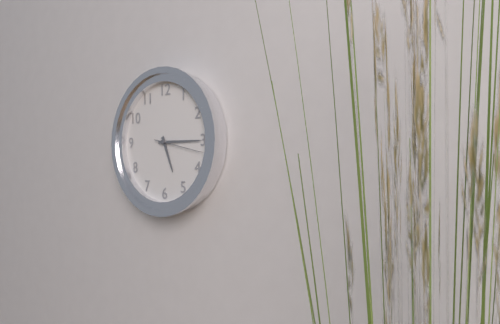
5:15:17
